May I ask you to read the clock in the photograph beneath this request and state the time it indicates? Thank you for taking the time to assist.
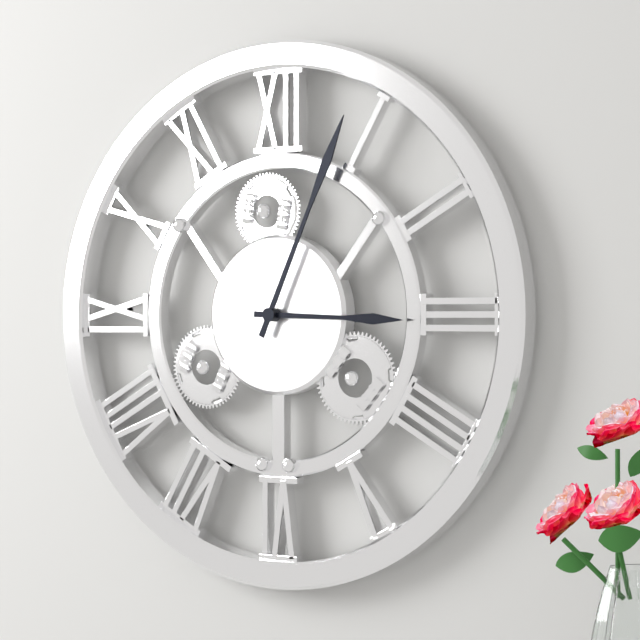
3:04
